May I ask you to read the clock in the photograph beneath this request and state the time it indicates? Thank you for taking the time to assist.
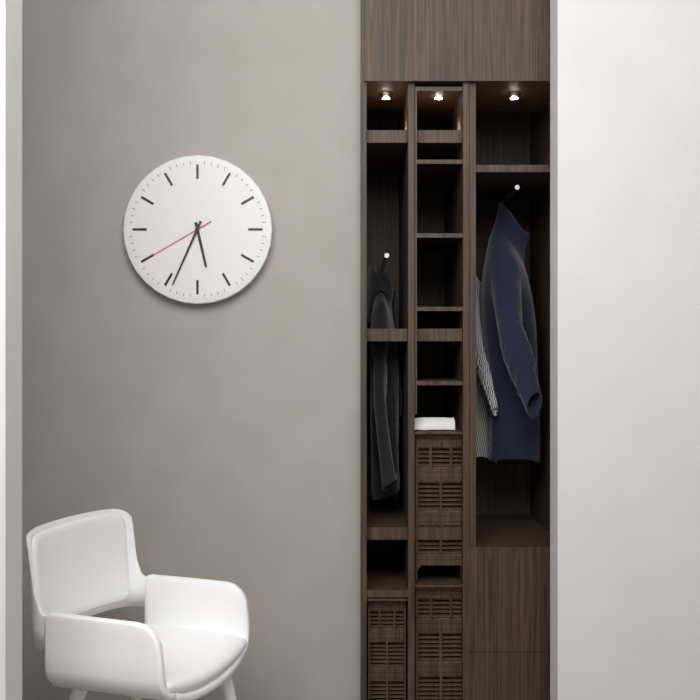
5:34:40
